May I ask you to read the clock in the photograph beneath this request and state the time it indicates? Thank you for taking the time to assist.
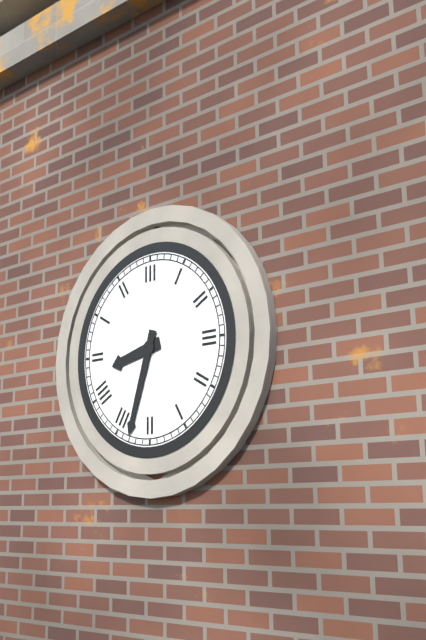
8:33
